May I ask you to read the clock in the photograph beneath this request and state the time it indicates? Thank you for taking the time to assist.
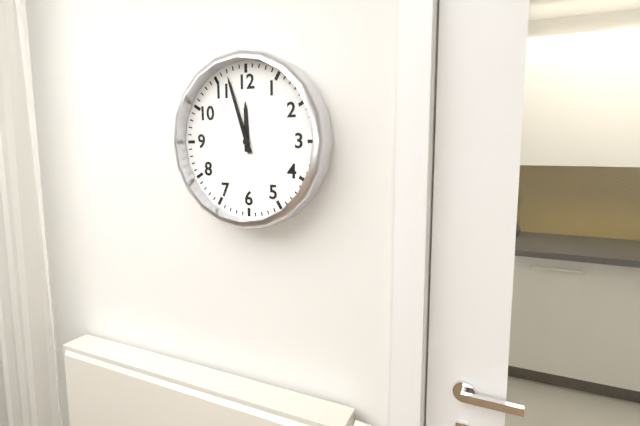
11:57
